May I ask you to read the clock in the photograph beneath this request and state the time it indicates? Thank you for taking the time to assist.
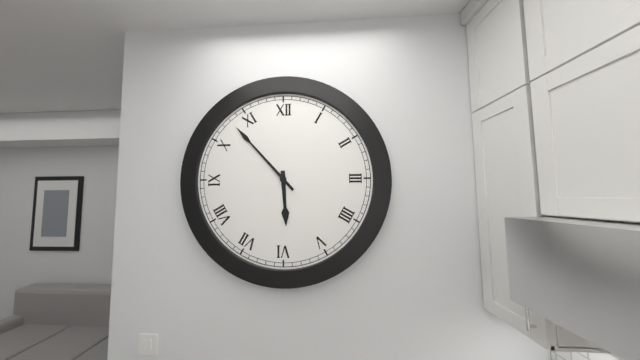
5:53
